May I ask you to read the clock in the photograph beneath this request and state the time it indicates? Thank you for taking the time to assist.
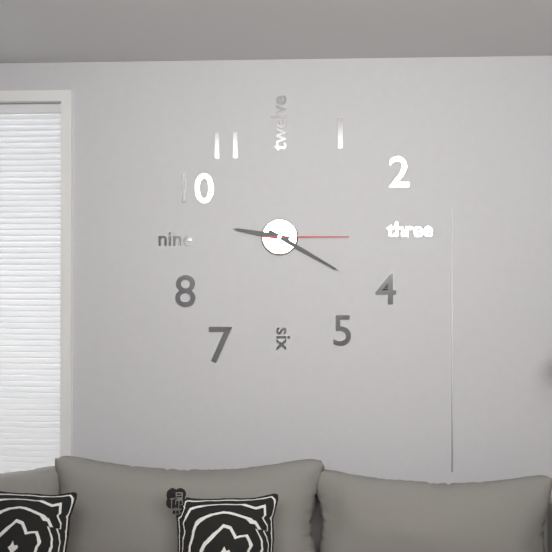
9:20:15
